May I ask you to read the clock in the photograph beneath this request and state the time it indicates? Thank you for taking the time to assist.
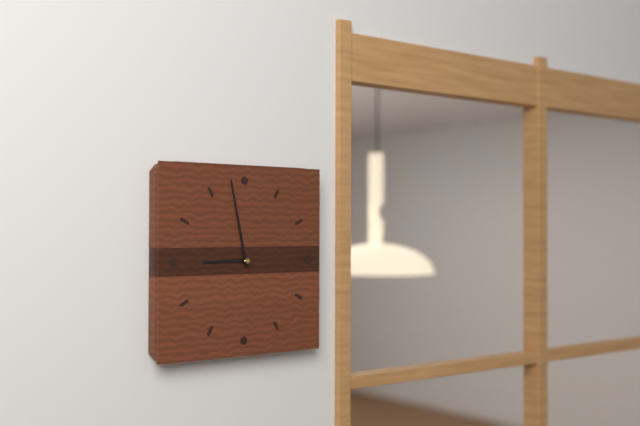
8:58
